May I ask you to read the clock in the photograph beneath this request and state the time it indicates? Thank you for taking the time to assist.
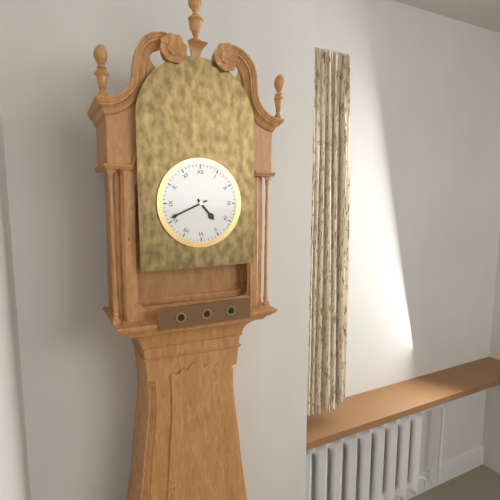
4:41
